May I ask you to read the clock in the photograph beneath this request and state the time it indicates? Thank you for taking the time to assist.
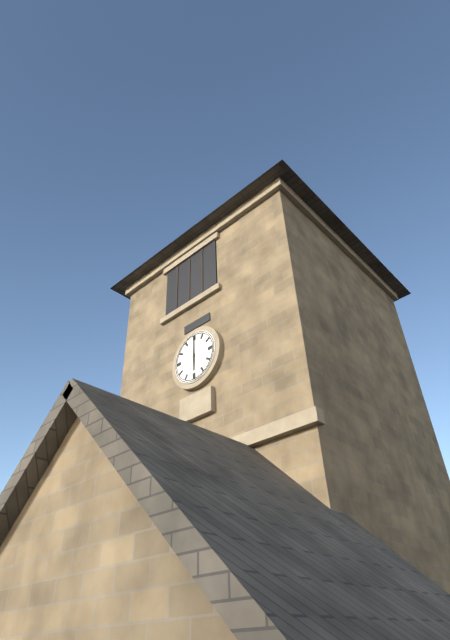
6:00
